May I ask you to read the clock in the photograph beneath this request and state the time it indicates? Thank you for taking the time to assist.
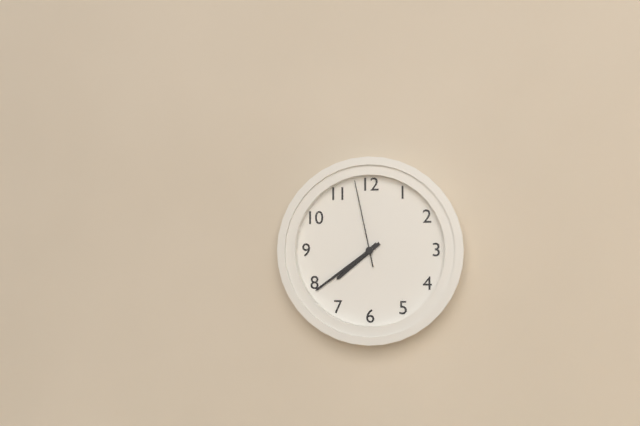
7:39:58
